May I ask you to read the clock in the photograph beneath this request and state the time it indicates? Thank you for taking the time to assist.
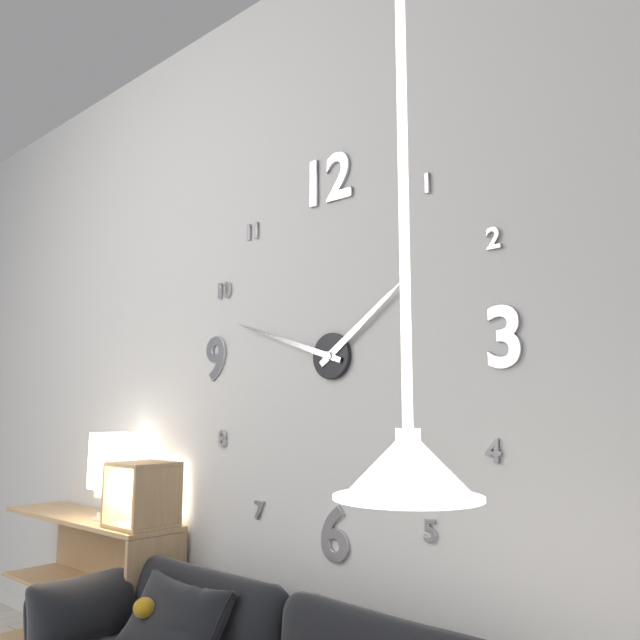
1:48
